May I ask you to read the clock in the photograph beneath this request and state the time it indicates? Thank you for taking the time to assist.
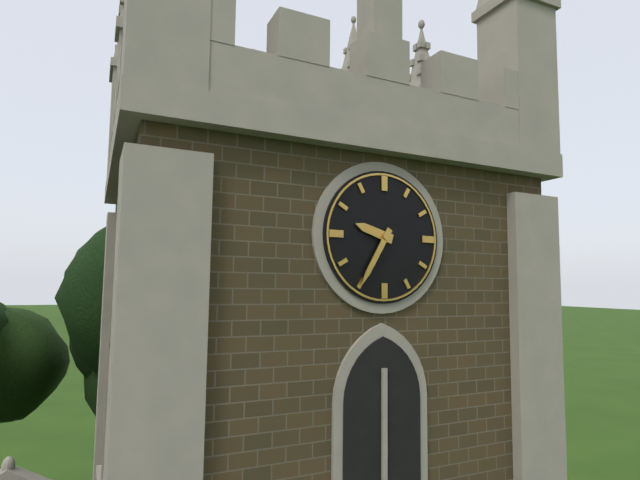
9:35
